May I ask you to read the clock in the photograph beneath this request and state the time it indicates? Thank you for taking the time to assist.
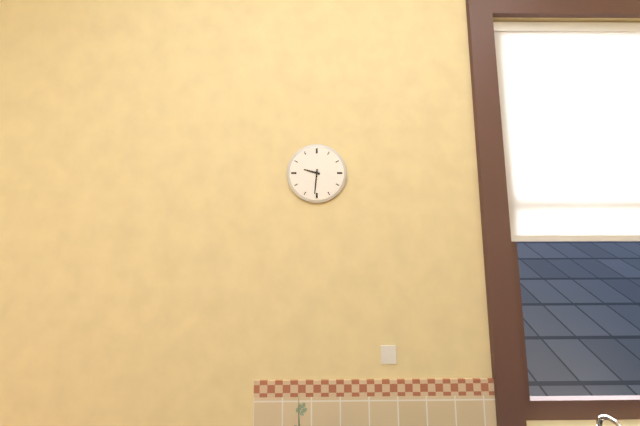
9:31
